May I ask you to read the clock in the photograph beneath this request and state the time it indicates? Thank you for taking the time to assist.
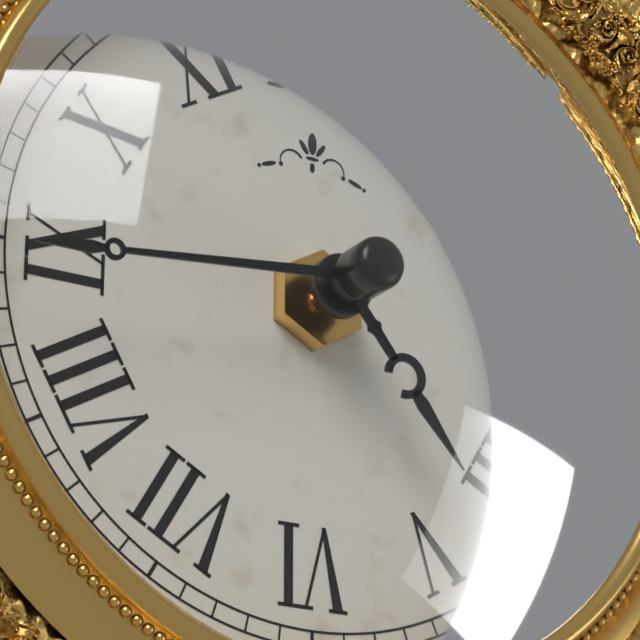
4:44
